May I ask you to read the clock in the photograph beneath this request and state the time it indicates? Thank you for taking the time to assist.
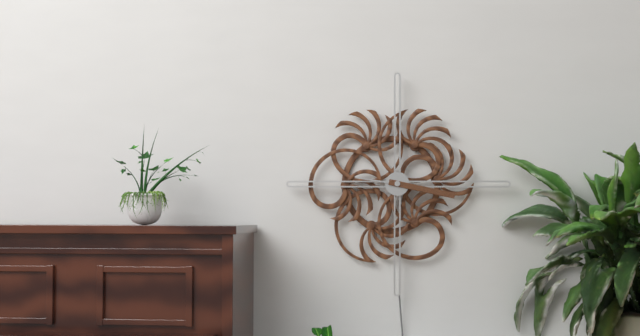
9:17
